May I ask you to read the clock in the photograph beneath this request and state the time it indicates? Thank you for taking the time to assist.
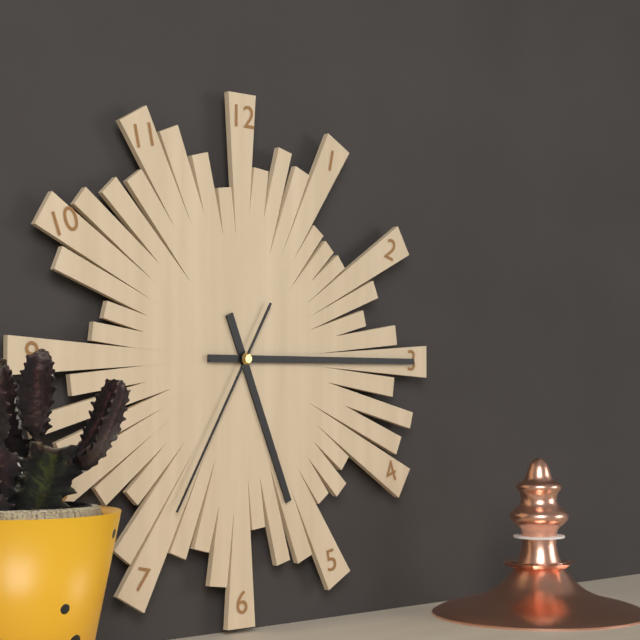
5:15:35
